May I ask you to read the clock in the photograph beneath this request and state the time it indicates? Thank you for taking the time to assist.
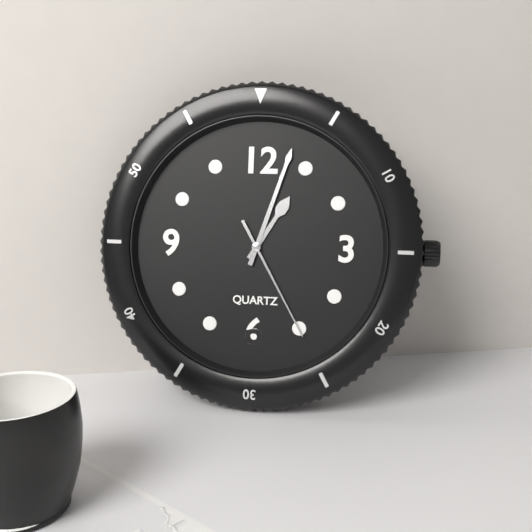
1:03:25
